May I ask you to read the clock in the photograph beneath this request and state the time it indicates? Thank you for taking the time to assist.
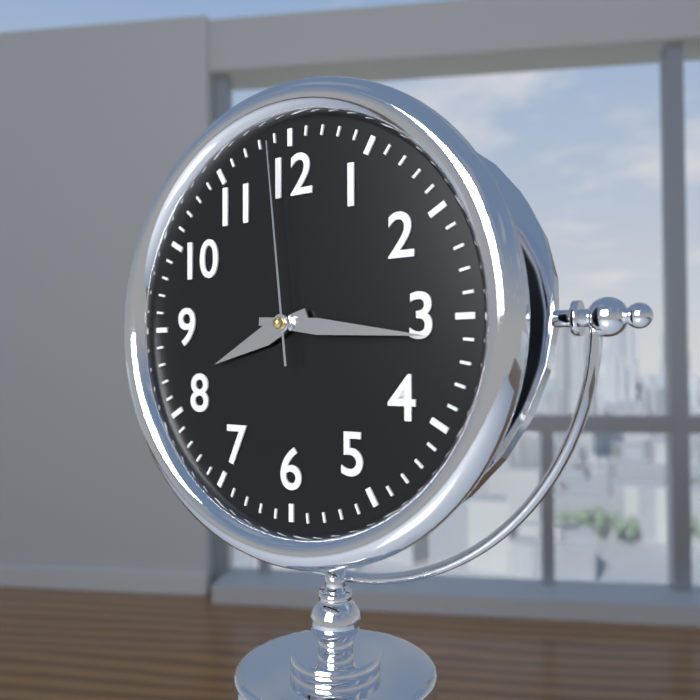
8:16:59
